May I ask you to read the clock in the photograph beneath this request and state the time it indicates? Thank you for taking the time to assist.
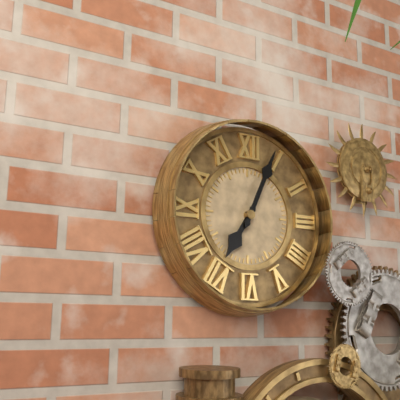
7:04
